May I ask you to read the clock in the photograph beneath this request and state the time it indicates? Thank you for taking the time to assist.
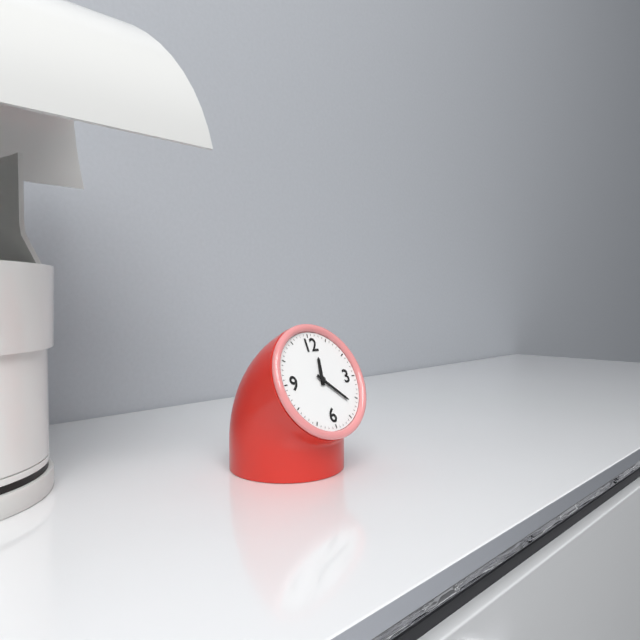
12:22
